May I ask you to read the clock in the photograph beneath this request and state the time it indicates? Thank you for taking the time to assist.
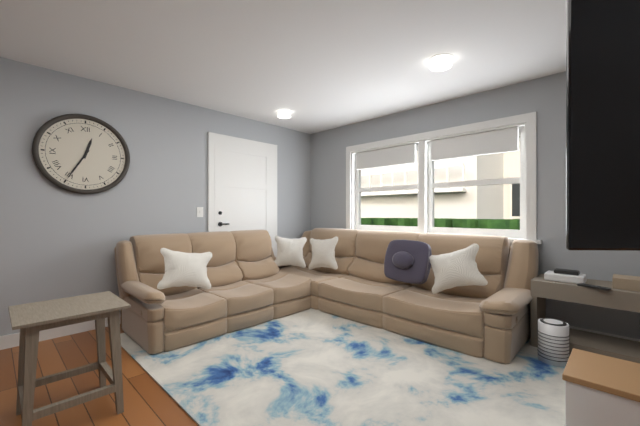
12:35
